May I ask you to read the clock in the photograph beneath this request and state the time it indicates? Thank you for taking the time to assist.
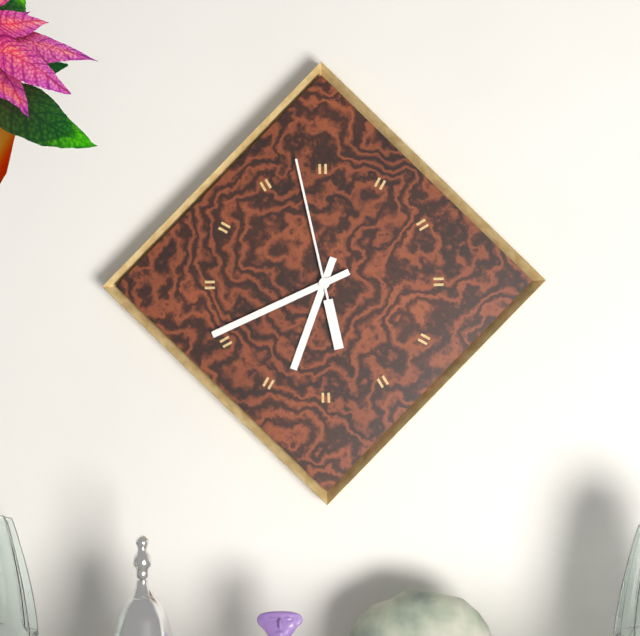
6:41:58
